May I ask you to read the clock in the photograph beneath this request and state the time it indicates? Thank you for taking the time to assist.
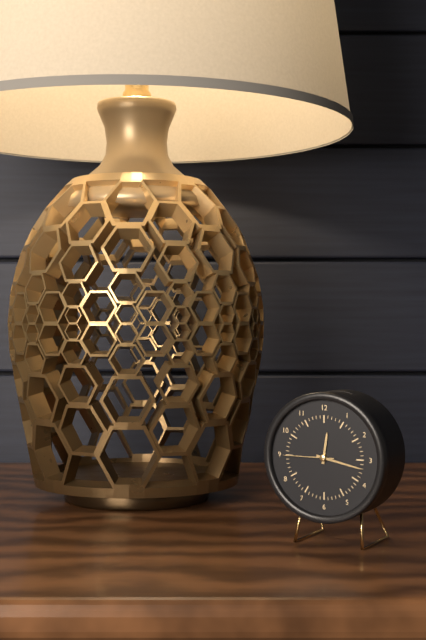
12:17:45
